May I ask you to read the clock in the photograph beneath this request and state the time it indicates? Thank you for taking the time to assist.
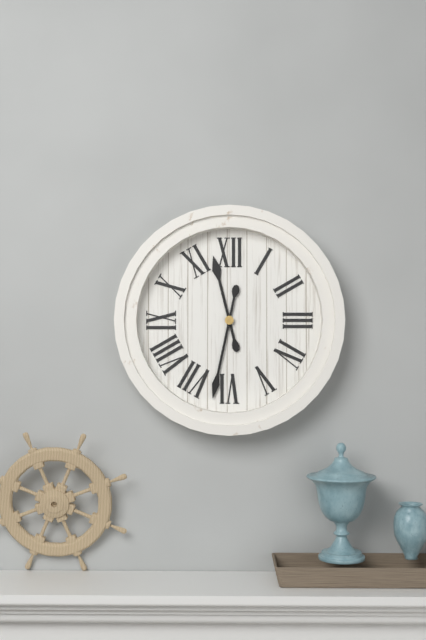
11:32
